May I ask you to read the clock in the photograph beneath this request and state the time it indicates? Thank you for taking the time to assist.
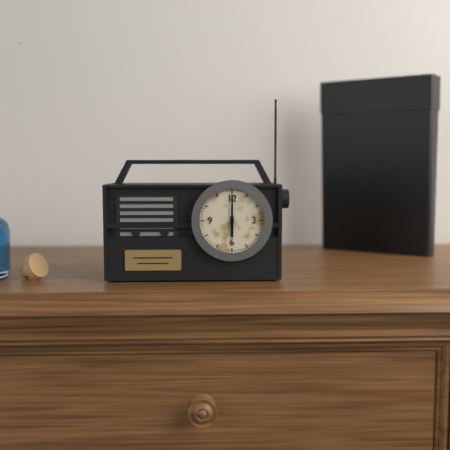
6:00
